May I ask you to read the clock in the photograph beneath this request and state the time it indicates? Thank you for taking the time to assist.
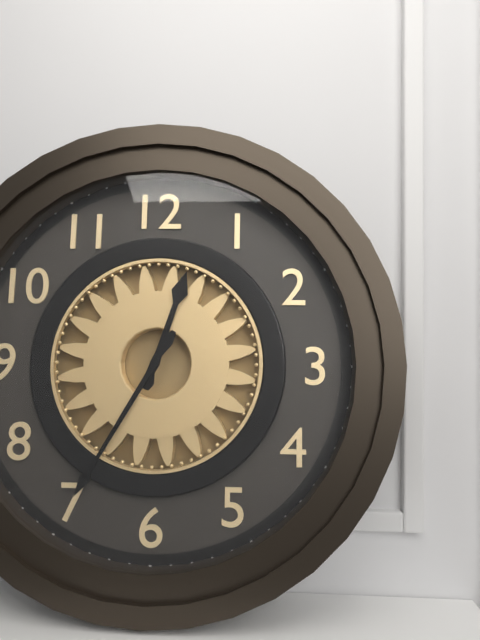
12:35
